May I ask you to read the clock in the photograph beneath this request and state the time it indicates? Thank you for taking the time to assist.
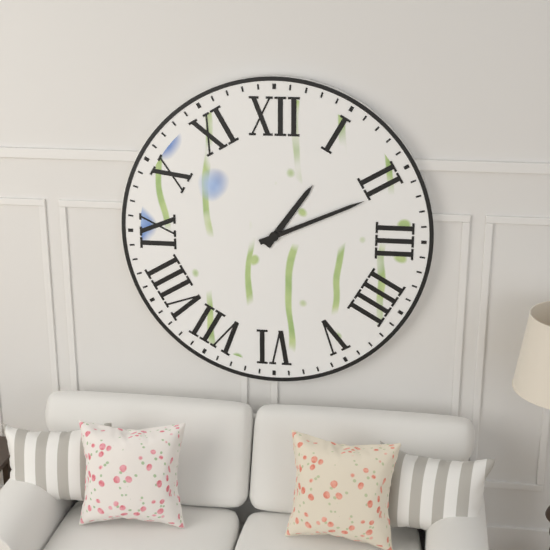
1:11
